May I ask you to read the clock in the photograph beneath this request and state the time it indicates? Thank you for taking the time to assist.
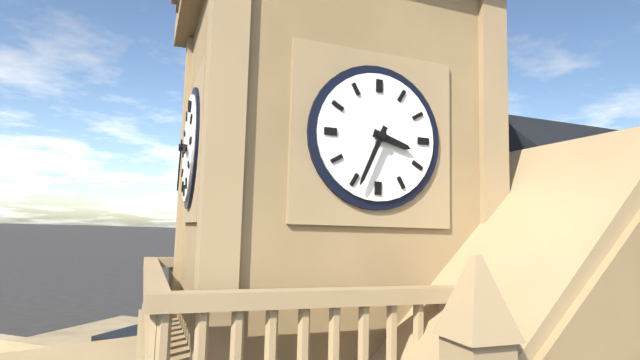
3:34
